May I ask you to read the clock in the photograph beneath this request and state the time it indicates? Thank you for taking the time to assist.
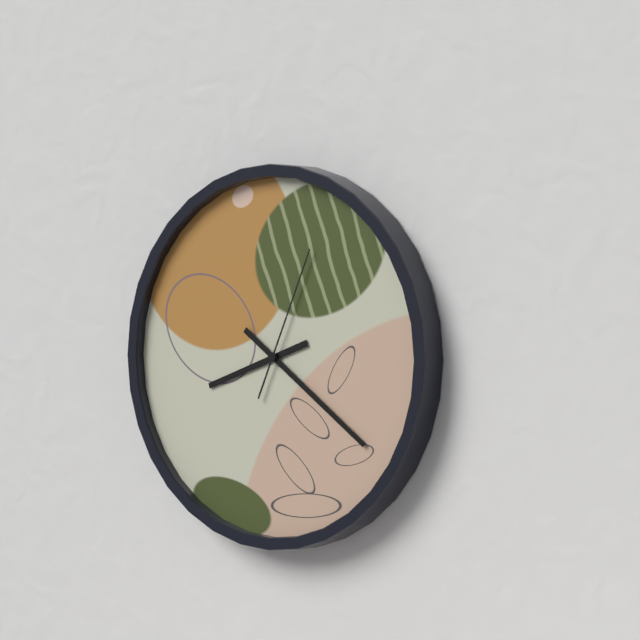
8:21:04
